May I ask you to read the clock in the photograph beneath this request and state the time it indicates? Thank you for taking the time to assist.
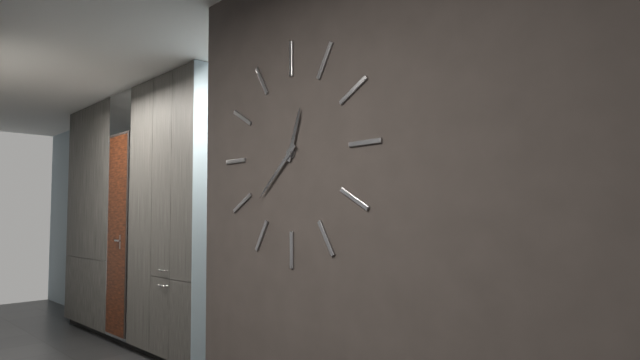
12:38
